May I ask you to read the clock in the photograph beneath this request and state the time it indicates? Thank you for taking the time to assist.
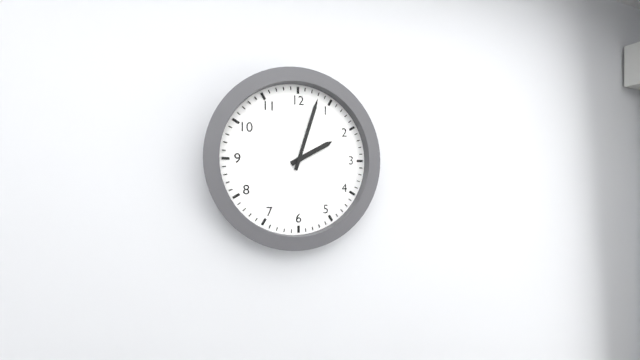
2:03
